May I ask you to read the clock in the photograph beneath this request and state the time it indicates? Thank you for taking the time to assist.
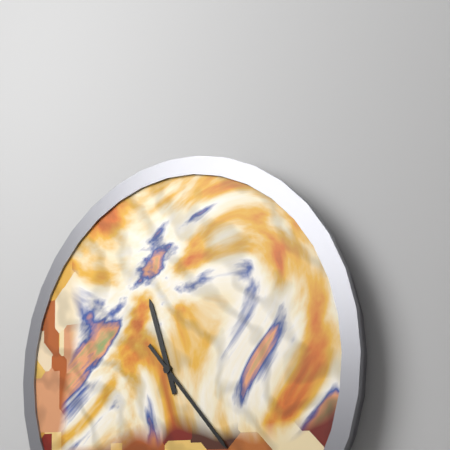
11:23
